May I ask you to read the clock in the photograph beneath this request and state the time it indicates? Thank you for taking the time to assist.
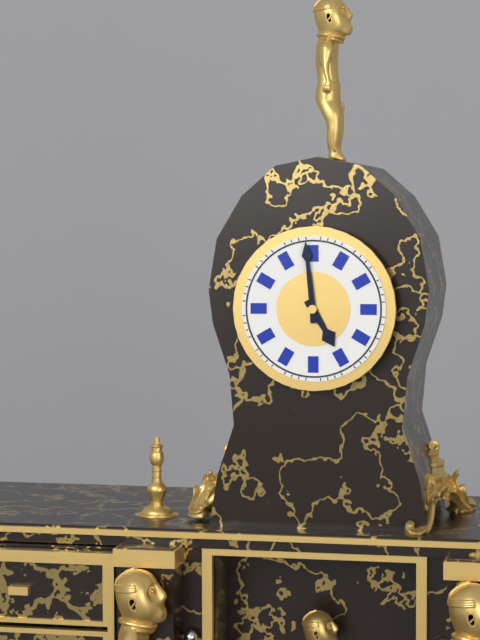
4:59
